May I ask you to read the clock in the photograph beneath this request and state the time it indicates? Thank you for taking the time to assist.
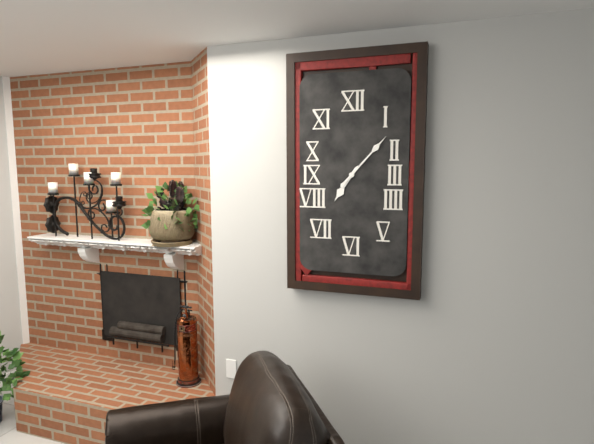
7:07
